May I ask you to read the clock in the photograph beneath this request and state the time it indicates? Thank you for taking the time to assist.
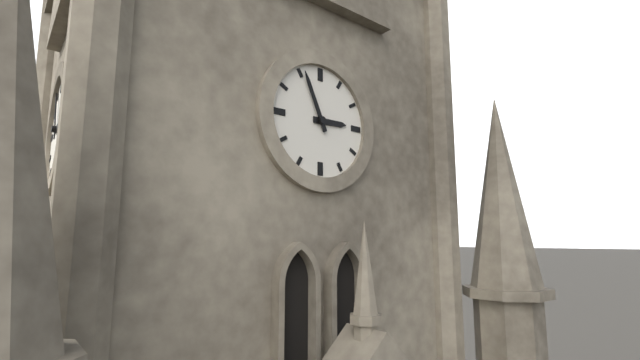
2:56
